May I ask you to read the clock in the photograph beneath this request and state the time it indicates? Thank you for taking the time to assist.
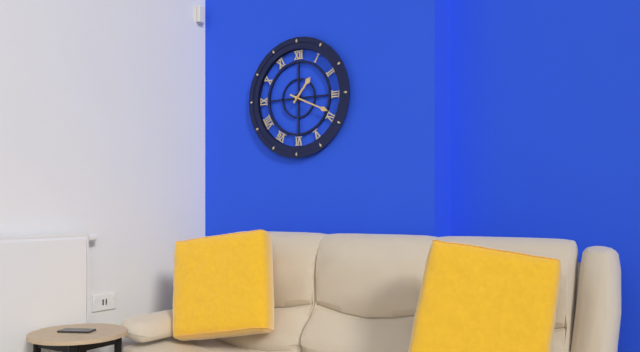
1:19
